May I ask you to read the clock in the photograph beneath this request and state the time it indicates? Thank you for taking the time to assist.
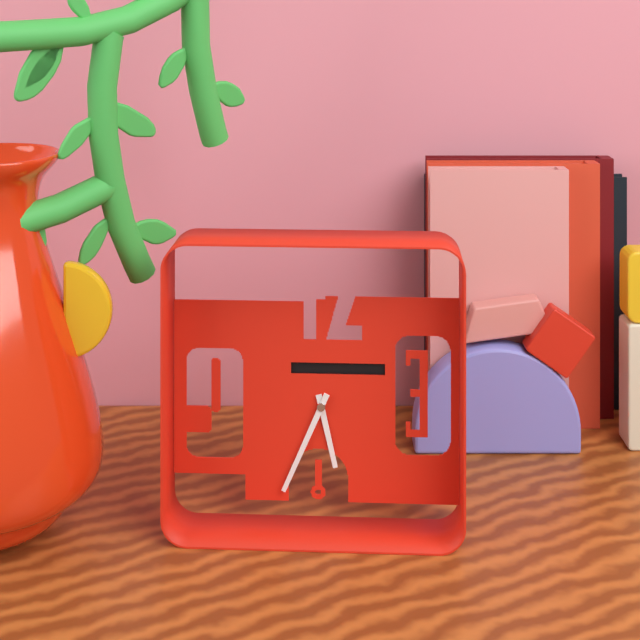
5:34
